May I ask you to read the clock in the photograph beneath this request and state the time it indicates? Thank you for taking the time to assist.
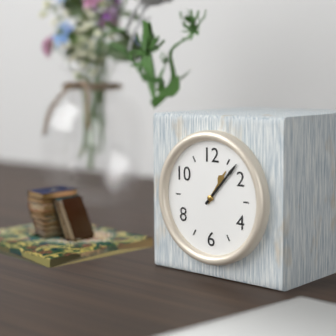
1:07
